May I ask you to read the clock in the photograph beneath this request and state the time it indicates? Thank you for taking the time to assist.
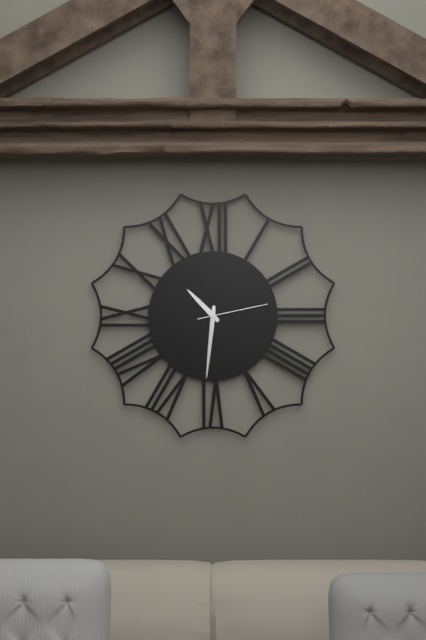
10:31:13
